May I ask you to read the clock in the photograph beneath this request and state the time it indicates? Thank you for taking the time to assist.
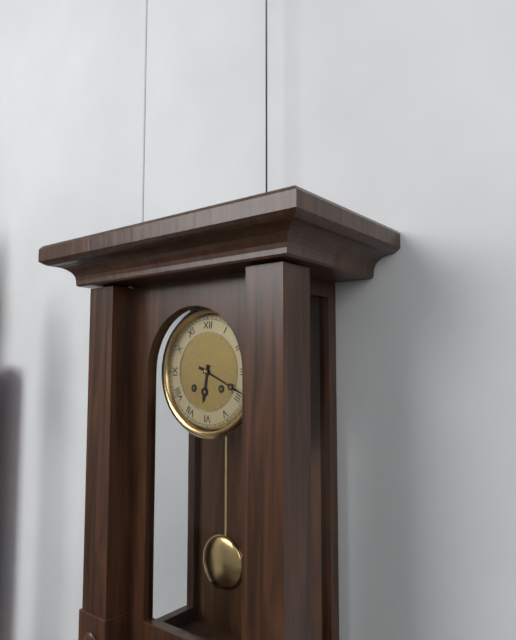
6:19
